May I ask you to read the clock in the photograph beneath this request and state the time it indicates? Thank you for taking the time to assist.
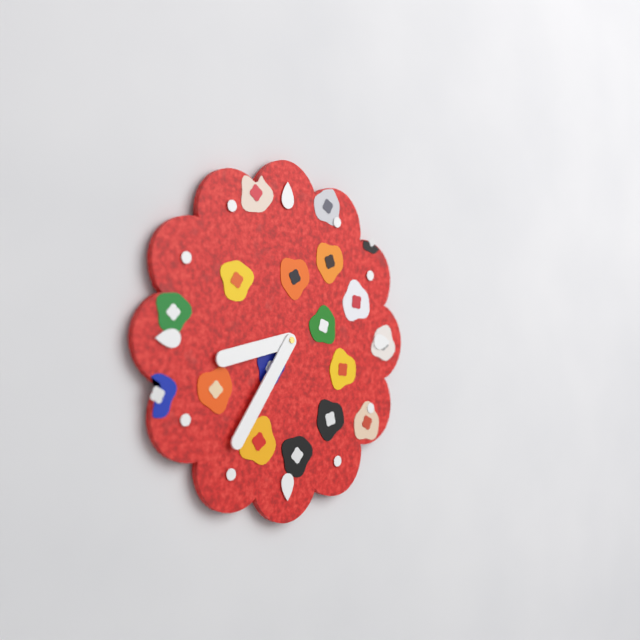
8:36
